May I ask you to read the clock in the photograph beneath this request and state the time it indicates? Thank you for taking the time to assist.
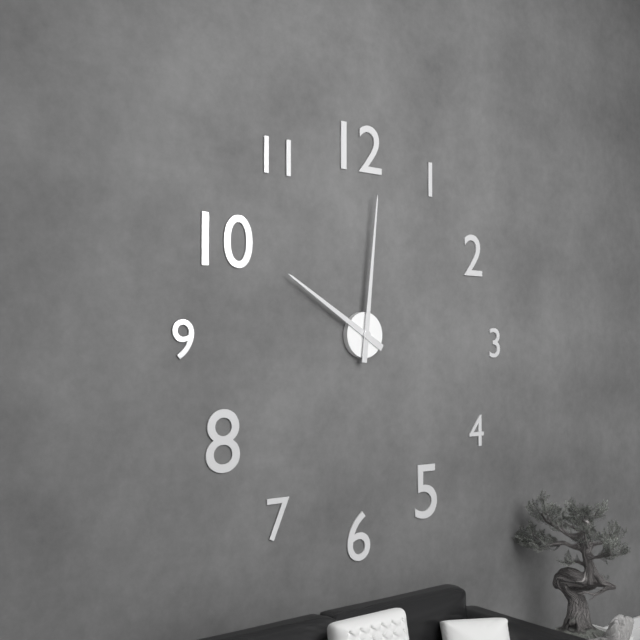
10:01
